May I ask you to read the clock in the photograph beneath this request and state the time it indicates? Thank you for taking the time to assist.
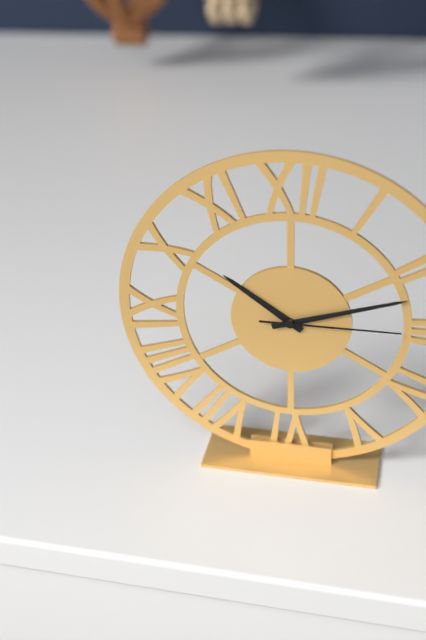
10:12:15
